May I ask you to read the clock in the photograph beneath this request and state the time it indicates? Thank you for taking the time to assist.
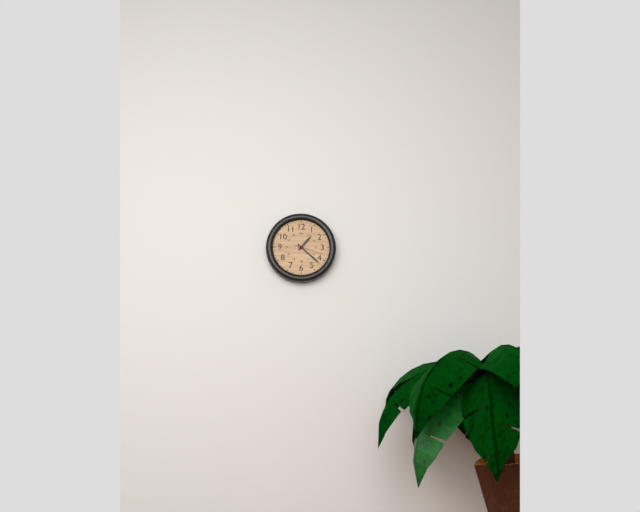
1:22
